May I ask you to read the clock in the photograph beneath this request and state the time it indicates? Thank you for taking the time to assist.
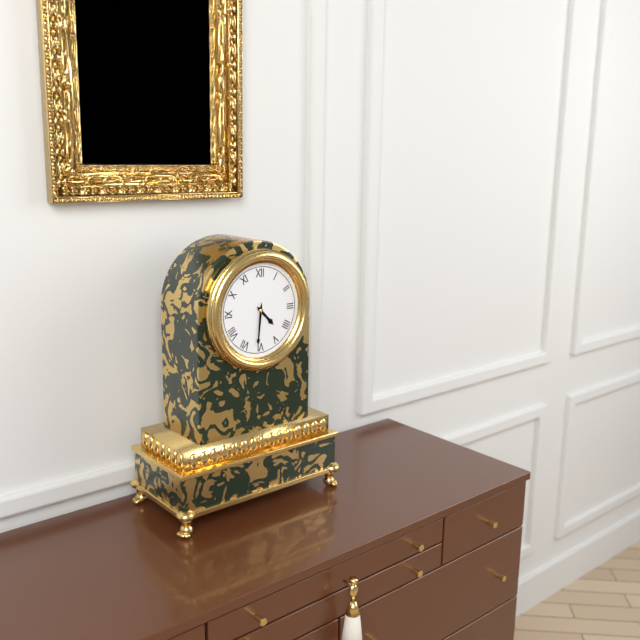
4:31
